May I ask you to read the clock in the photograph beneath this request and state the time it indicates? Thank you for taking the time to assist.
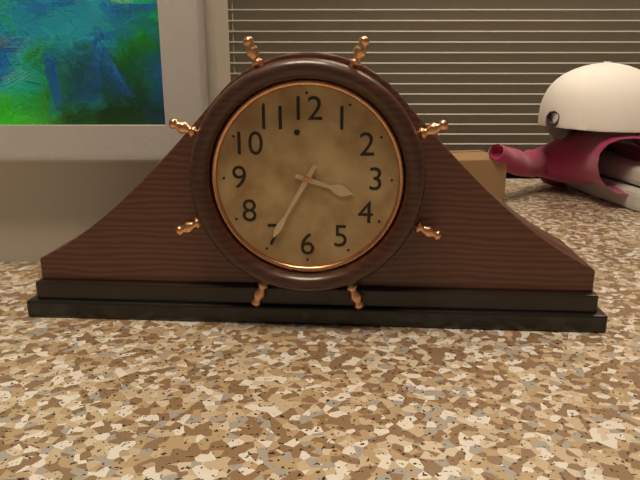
3:35
